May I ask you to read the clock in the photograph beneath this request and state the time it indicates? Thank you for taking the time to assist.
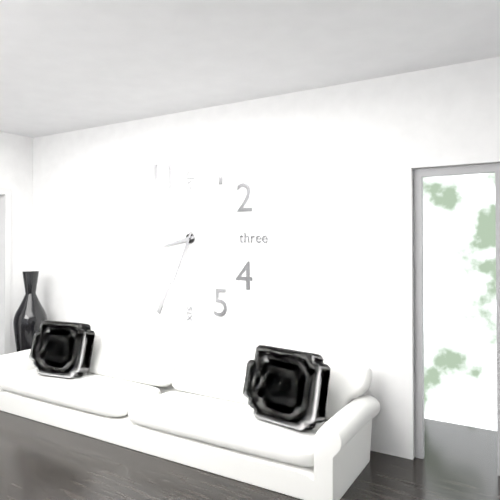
8:34
